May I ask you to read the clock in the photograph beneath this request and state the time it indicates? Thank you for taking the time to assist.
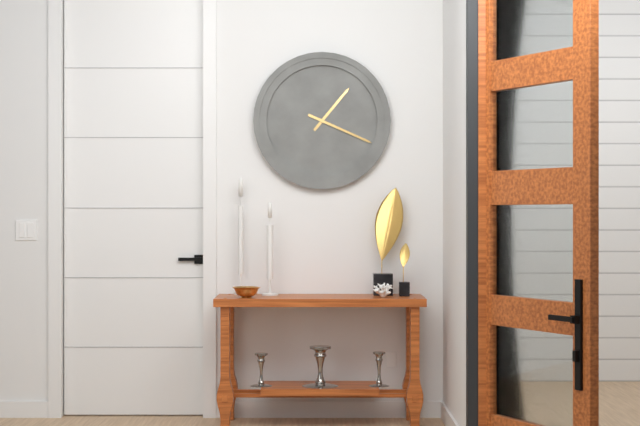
1:19
